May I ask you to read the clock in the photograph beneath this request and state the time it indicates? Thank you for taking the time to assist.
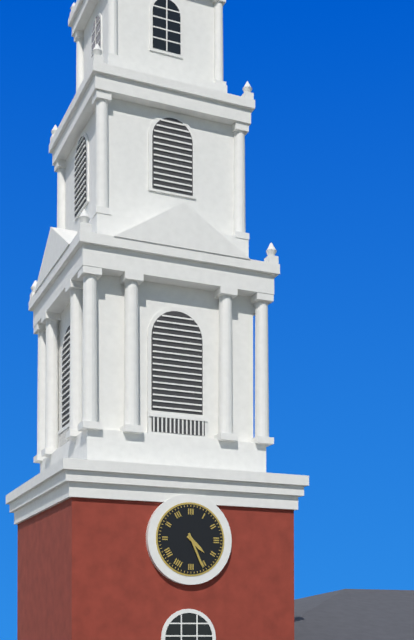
4:26
